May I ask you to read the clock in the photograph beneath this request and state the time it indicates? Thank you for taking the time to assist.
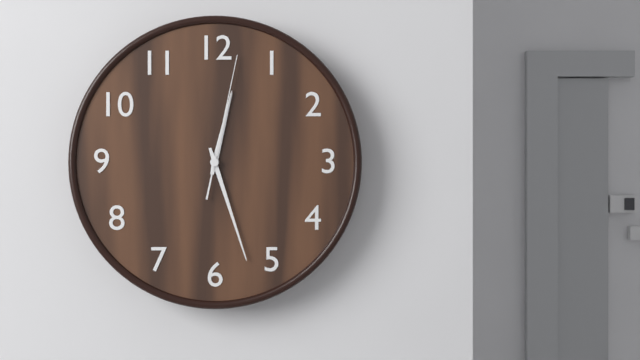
12:27:02
